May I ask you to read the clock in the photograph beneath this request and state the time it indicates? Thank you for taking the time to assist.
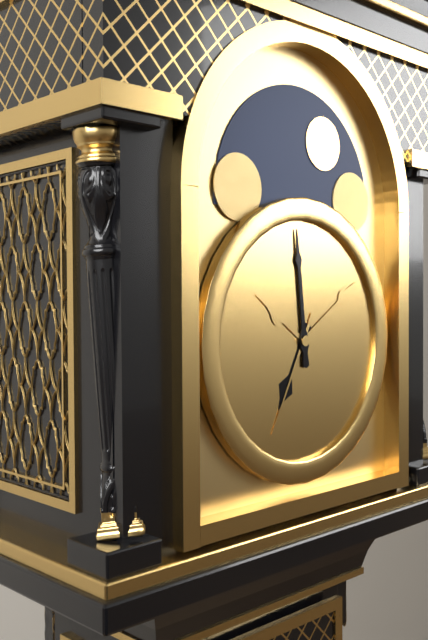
6:59
